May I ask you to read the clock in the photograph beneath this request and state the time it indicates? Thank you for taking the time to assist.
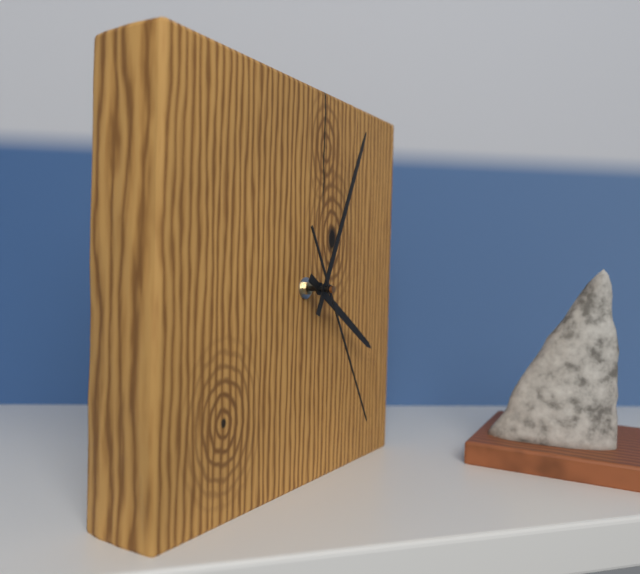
4:04:25
